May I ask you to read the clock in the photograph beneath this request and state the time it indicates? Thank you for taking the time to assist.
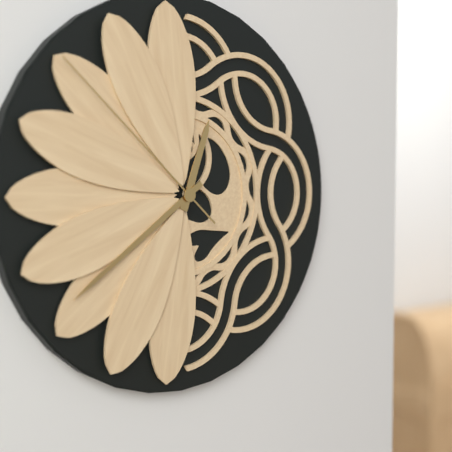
12:39:52
